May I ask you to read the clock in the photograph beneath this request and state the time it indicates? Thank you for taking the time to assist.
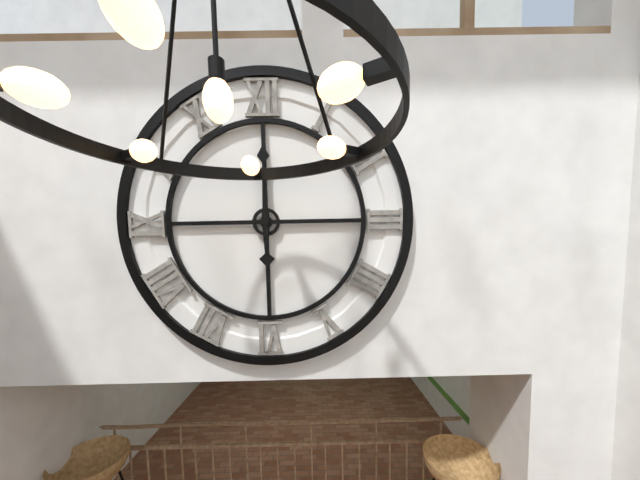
6:00
